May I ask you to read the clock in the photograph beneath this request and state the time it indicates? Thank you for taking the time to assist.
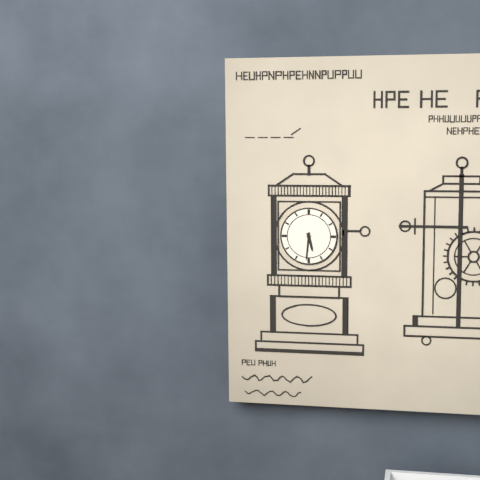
5:31
